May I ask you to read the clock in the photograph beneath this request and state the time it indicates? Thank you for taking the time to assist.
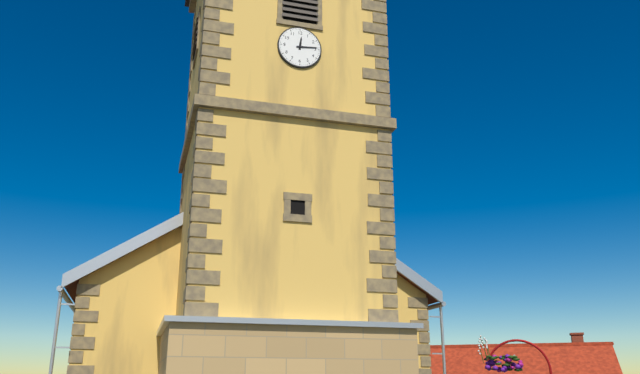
12:14
